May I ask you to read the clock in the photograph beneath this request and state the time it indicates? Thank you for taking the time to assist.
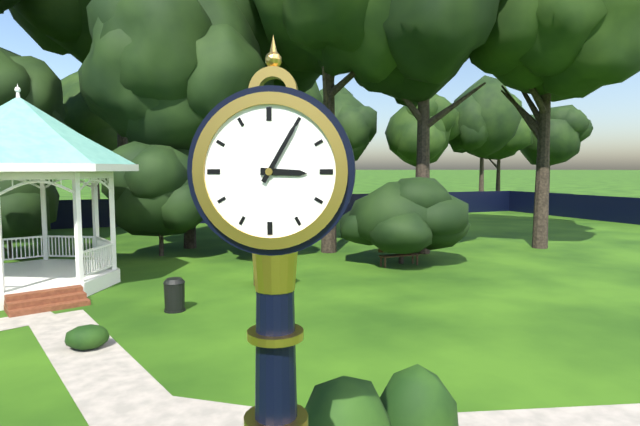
3:05
